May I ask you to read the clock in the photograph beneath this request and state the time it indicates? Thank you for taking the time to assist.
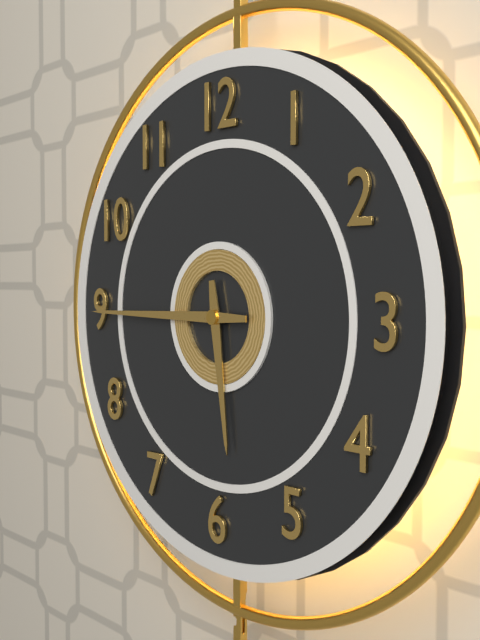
5:45
